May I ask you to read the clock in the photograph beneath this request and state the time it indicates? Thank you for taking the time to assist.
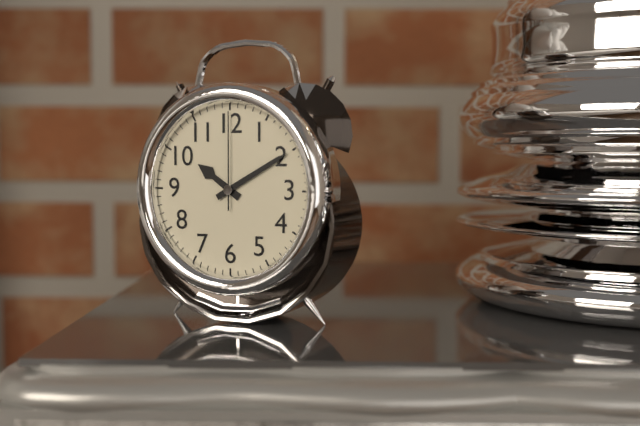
10:10:00
